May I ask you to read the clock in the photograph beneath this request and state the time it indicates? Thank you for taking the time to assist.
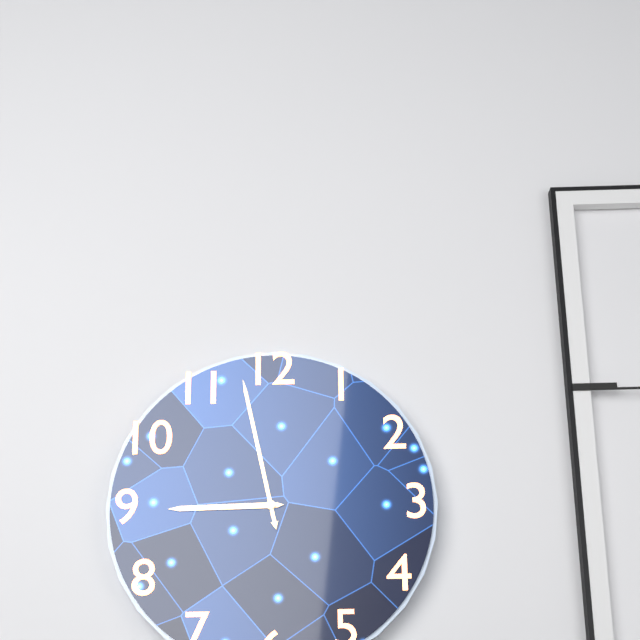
8:58
